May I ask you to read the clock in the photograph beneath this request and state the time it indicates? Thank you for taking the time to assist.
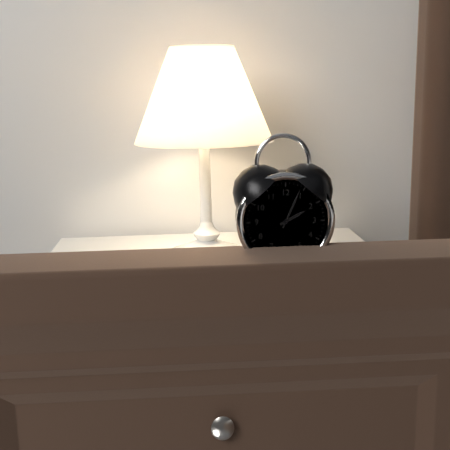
2:04
